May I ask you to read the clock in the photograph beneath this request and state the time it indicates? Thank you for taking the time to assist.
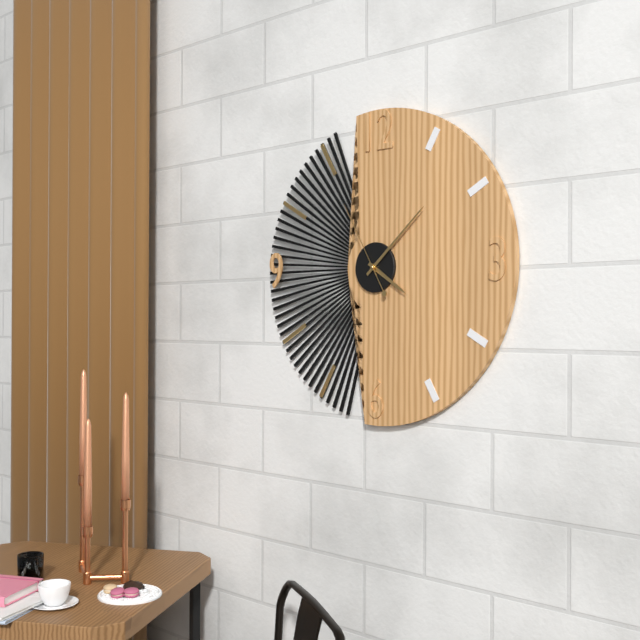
4:08:55
